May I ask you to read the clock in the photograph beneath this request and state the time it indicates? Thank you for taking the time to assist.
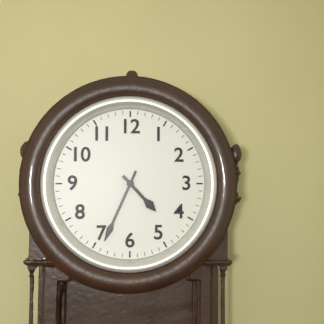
4:34
